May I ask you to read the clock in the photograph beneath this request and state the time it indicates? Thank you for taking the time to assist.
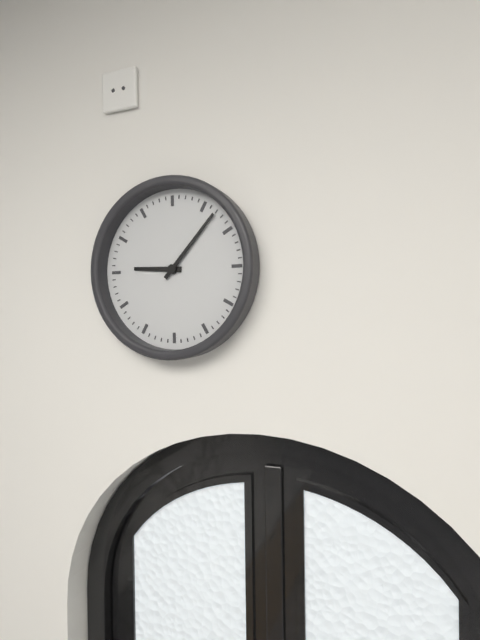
9:07
